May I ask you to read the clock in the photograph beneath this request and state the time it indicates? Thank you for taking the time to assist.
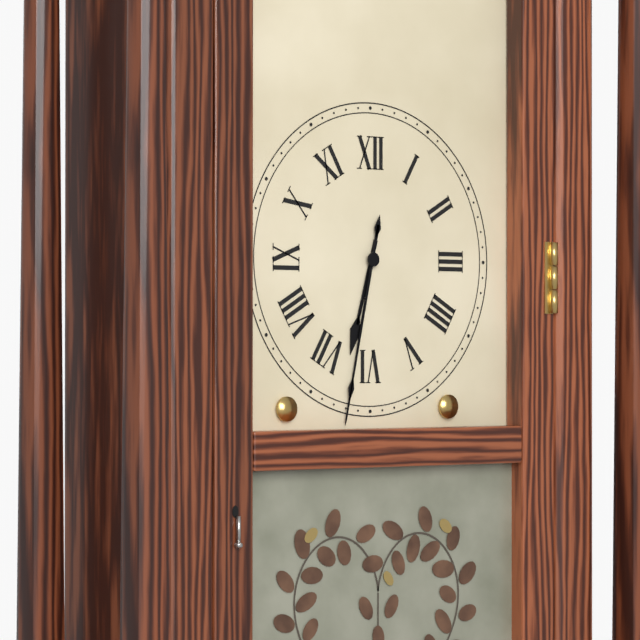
6:32
